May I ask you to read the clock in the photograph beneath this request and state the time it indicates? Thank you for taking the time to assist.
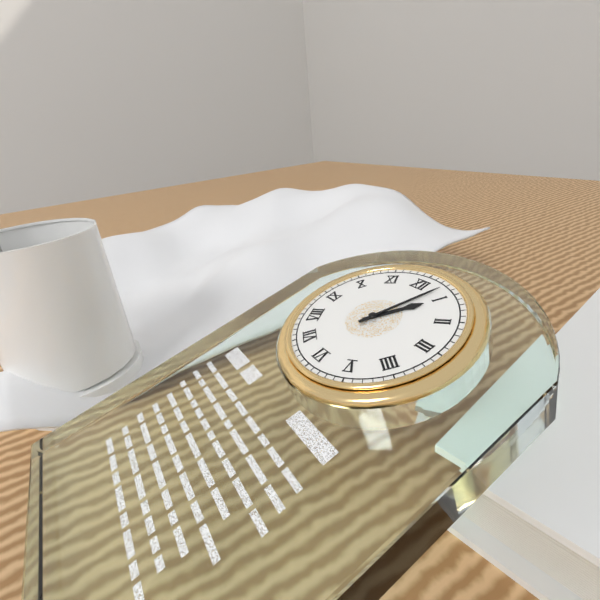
1:03
